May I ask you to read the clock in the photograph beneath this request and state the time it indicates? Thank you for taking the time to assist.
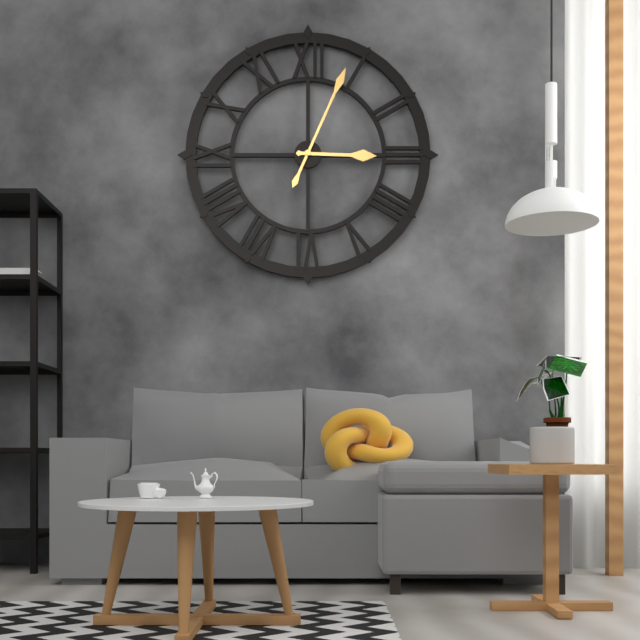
3:04
